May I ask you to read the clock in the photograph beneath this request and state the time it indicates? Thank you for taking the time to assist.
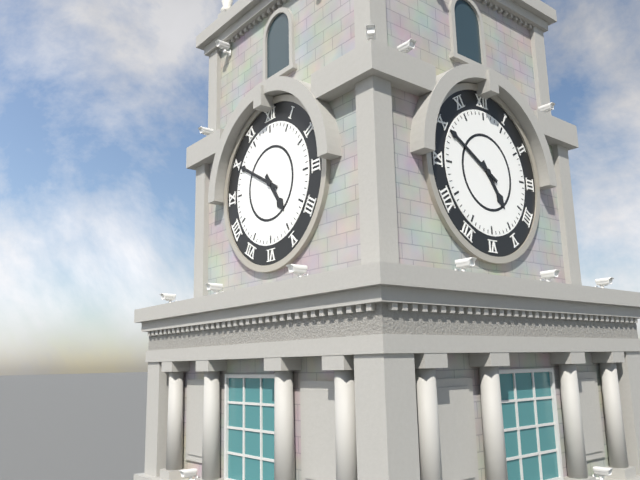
4:50
